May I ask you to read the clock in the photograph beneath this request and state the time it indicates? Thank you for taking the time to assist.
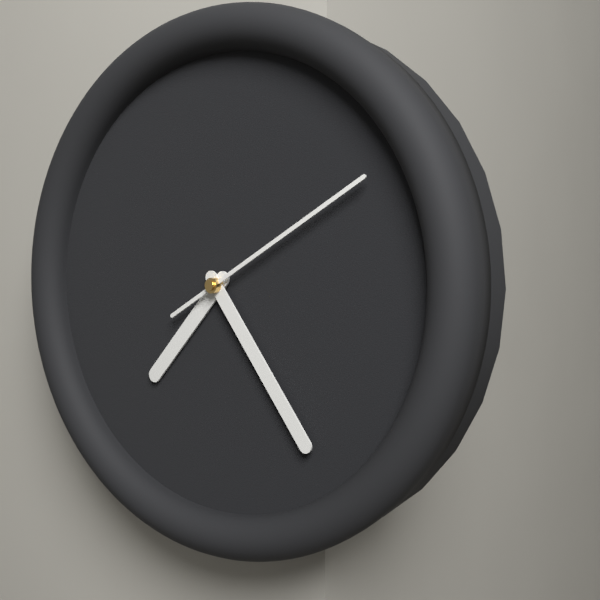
7:24:10
